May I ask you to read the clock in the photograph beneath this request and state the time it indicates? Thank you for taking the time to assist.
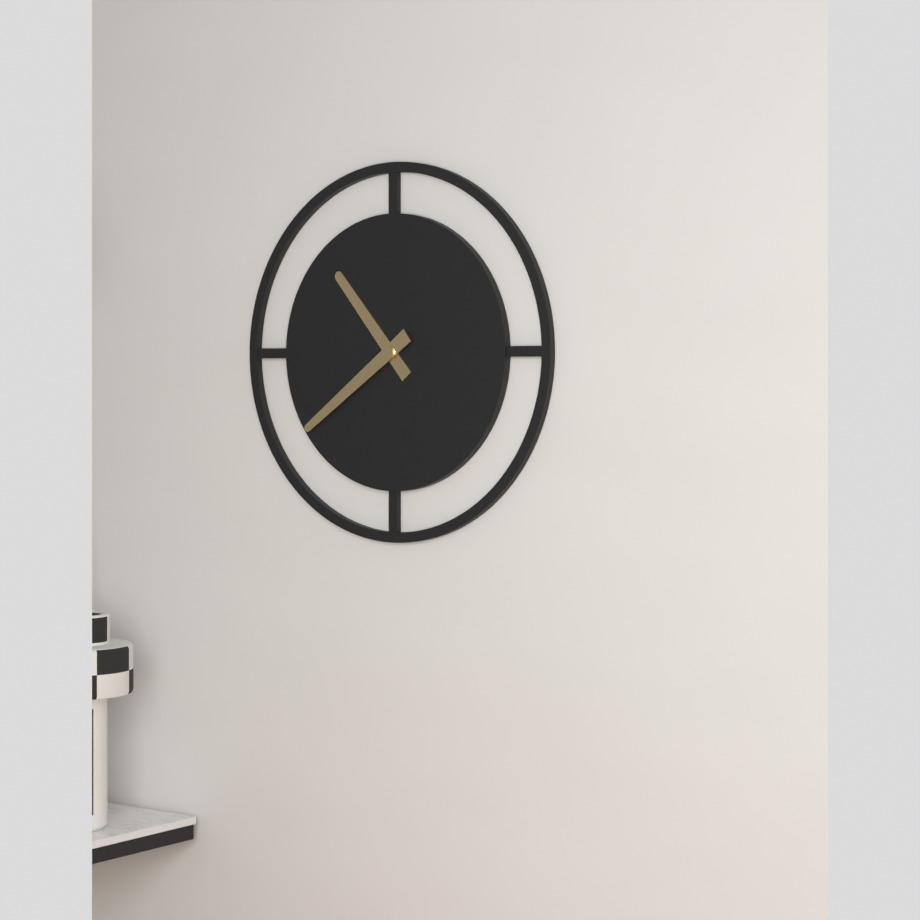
10:39
